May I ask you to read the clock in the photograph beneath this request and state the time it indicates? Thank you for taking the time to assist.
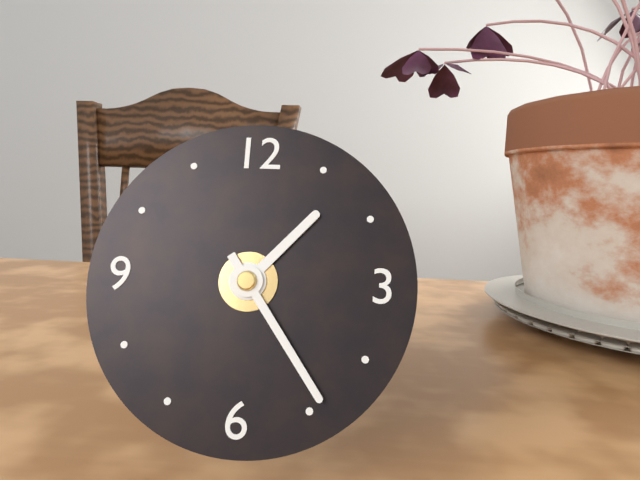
1:24
